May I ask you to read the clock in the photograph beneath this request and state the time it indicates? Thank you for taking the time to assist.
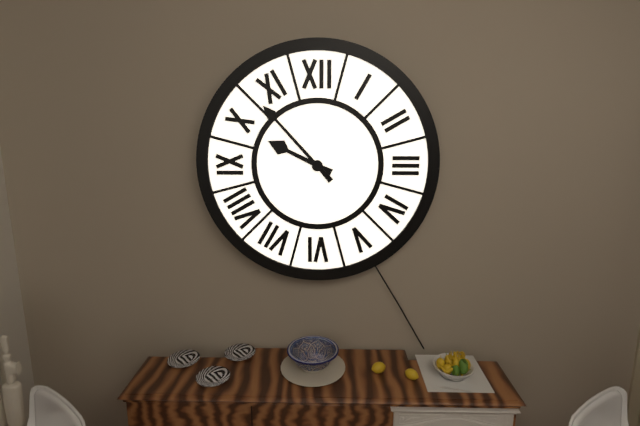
9:53
